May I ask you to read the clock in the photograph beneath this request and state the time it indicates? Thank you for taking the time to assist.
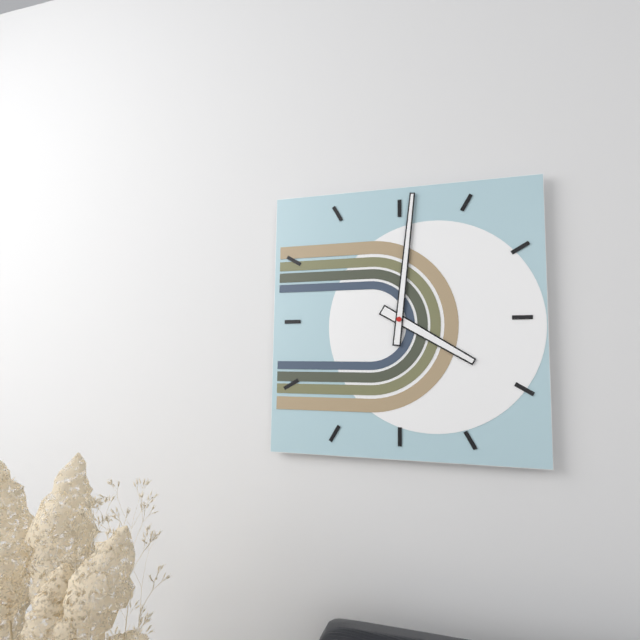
4:01
